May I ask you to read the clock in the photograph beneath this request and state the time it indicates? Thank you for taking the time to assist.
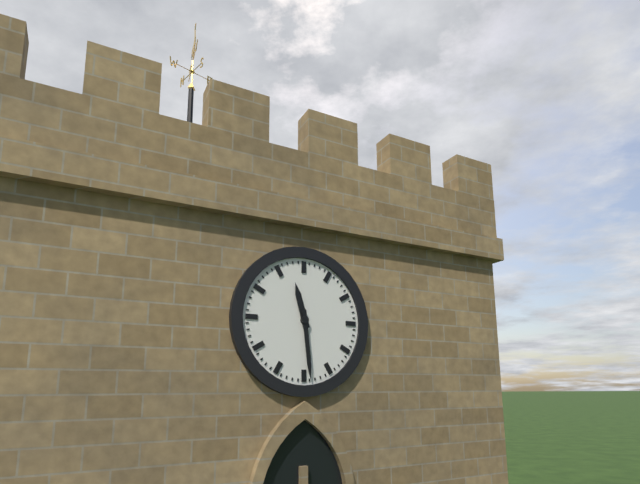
11:29
